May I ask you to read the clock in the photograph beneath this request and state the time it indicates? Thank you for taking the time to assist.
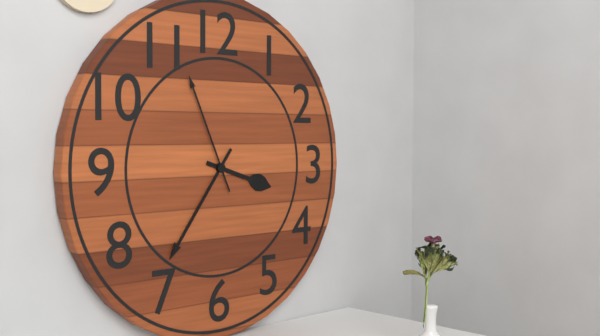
3:36:56
